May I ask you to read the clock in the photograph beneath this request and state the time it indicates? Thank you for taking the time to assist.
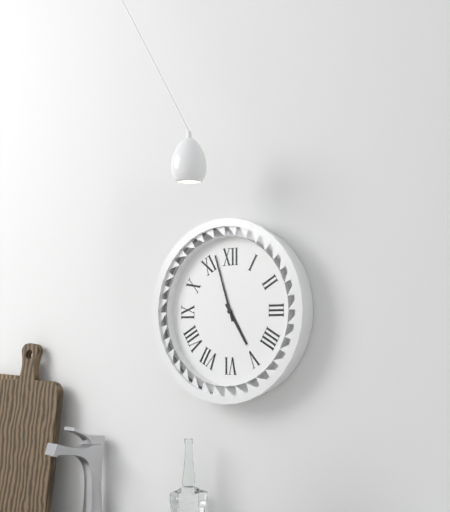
4:57
